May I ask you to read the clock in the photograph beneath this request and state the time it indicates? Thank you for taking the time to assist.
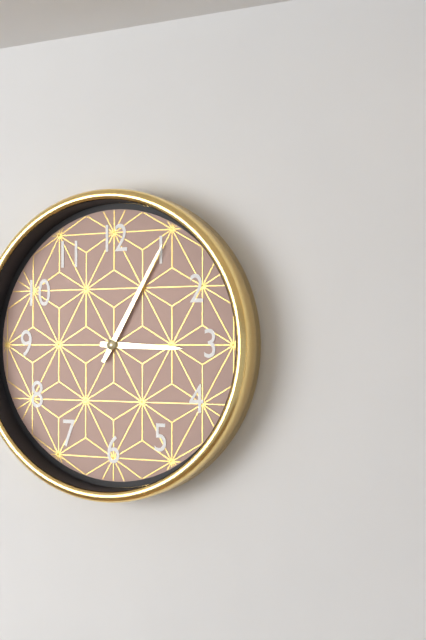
3:05
